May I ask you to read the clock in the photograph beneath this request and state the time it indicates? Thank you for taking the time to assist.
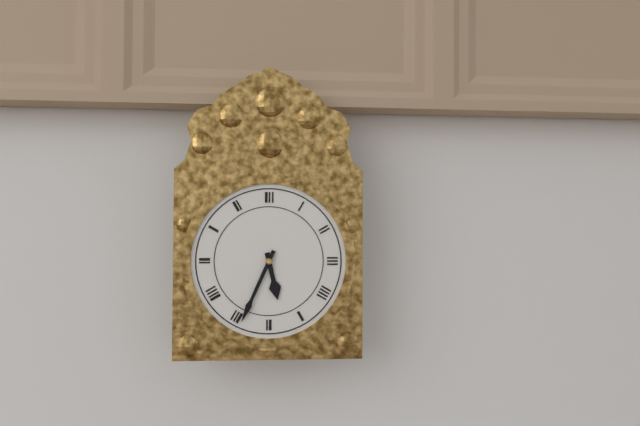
5:34
